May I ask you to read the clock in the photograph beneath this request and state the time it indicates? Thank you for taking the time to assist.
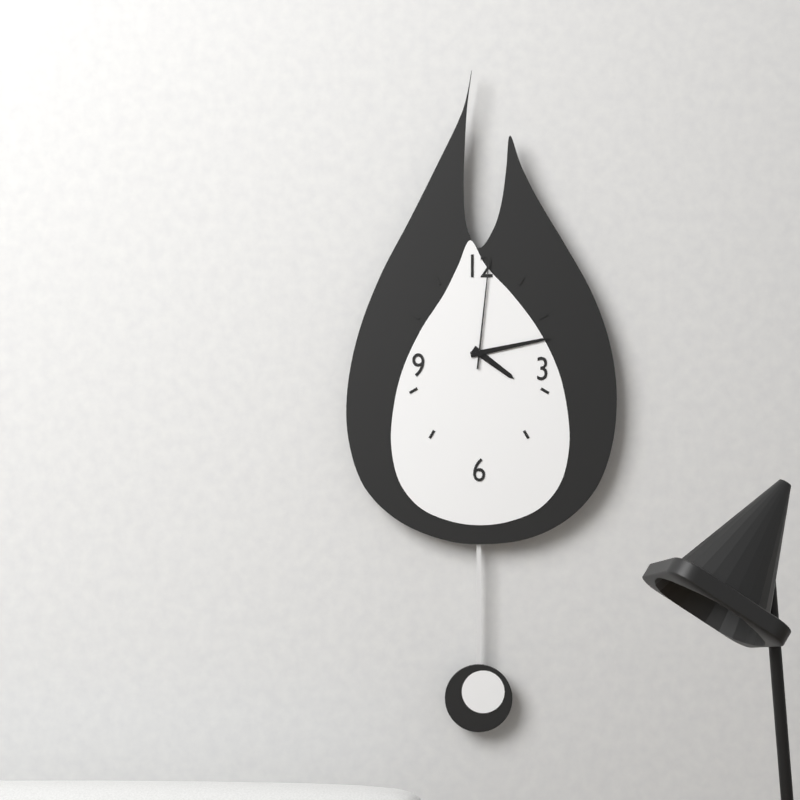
4:13:01
